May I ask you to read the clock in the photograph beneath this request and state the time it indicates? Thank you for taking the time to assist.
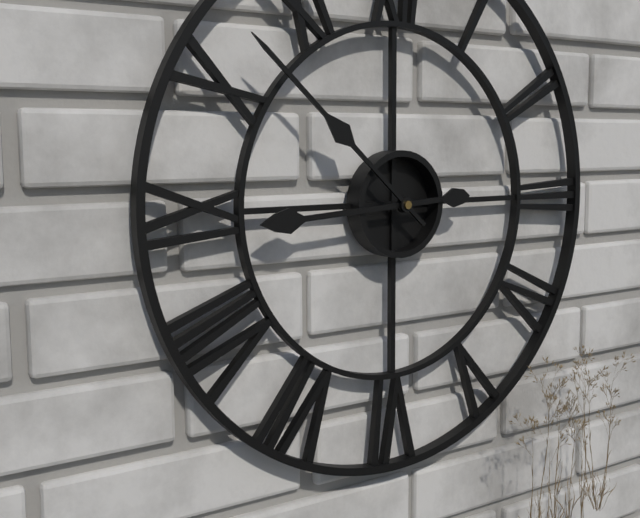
8:52
